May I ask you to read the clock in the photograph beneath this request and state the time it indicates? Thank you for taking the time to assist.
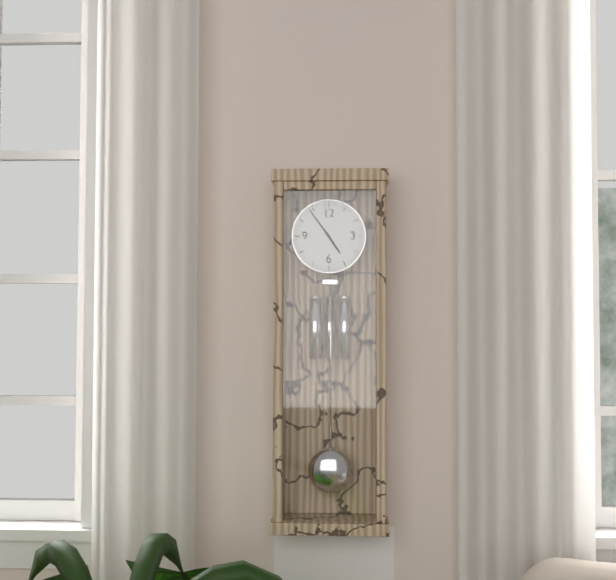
4:54
